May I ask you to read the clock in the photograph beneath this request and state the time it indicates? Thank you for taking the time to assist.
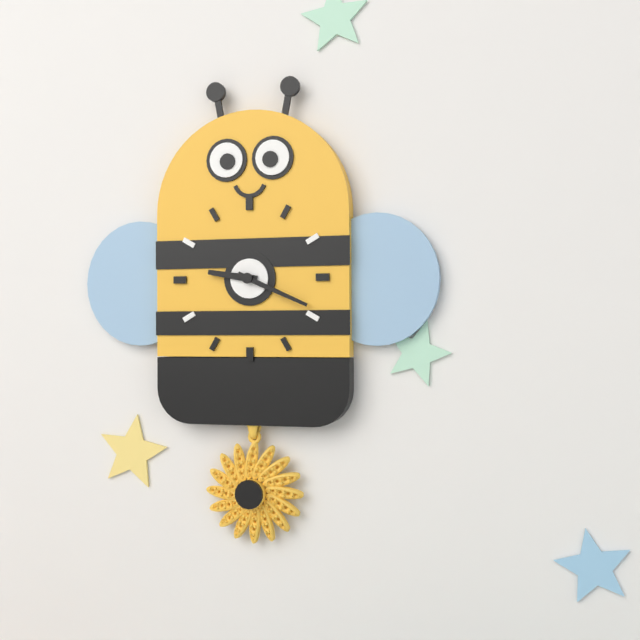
9:19
